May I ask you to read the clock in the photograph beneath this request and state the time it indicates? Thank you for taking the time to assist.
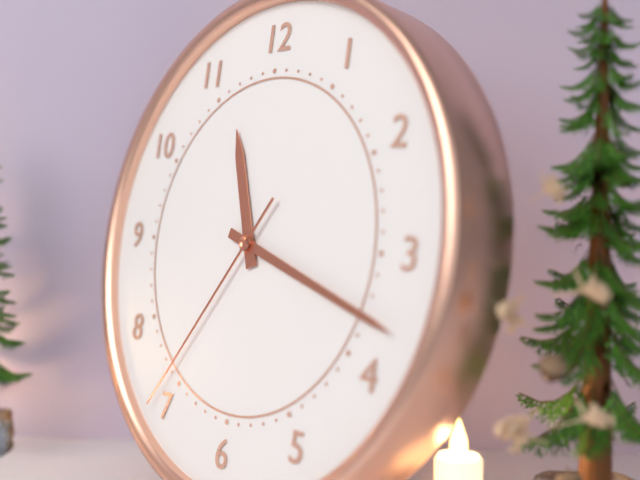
11:18:36
